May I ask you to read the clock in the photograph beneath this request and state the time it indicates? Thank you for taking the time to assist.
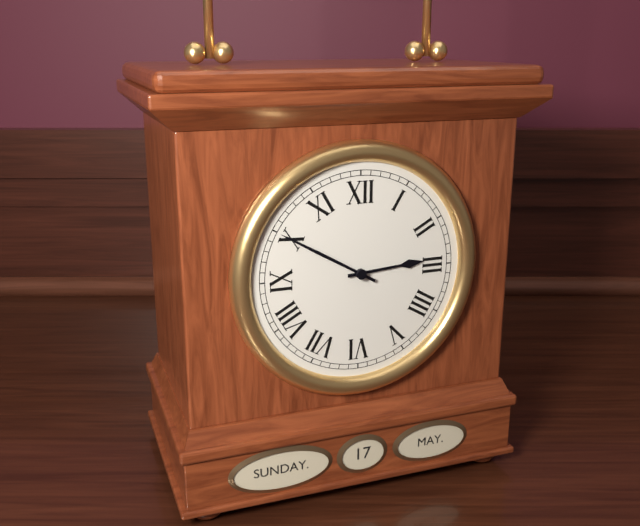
2:50
